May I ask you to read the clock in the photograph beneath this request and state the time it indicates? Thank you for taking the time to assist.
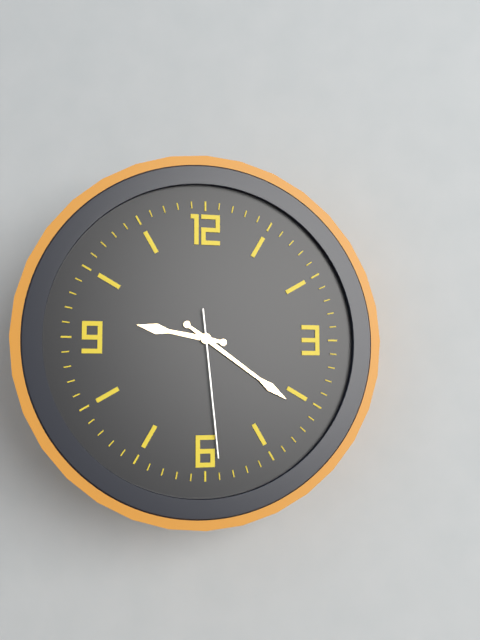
9:21:29
